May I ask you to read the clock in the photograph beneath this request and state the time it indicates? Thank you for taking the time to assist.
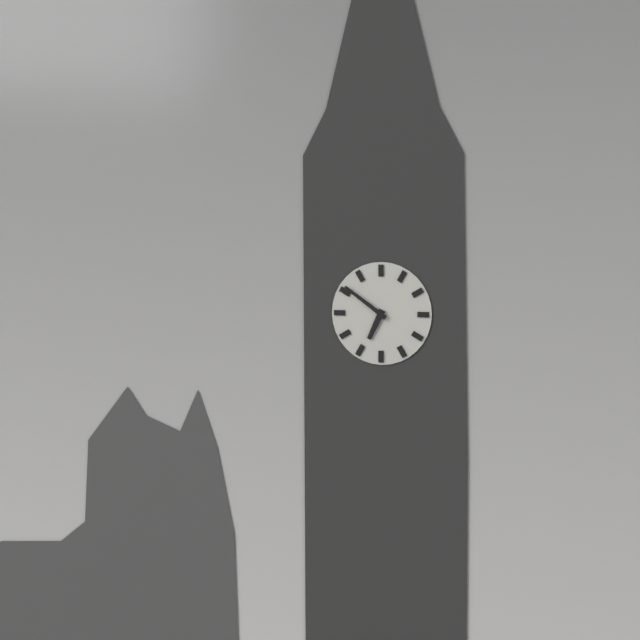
6:51
